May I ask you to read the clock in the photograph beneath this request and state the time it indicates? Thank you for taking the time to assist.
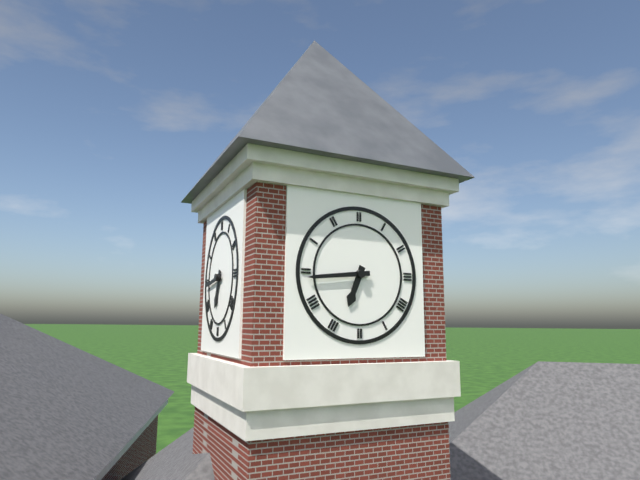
6:44
